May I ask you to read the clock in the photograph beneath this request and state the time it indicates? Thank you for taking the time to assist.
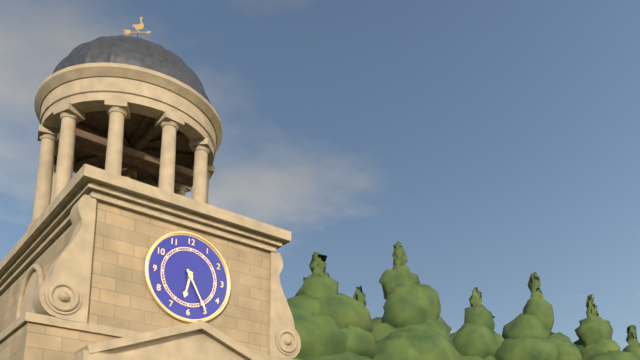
6:25
